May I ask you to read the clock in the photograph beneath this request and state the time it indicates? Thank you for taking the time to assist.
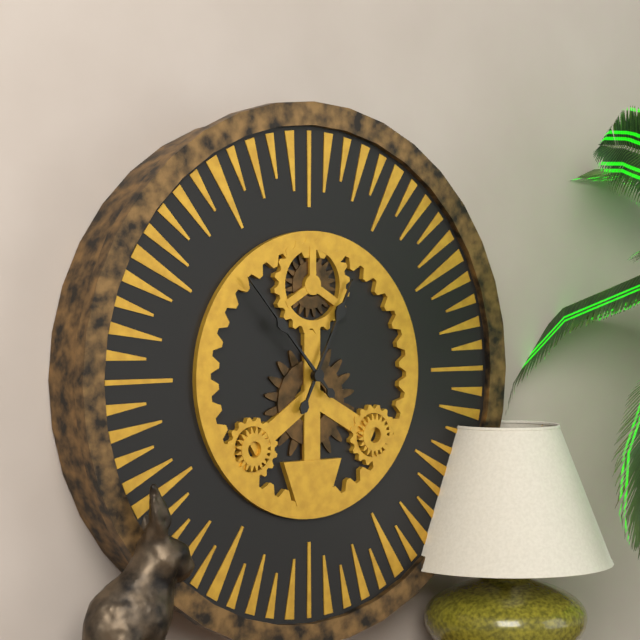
12:53
